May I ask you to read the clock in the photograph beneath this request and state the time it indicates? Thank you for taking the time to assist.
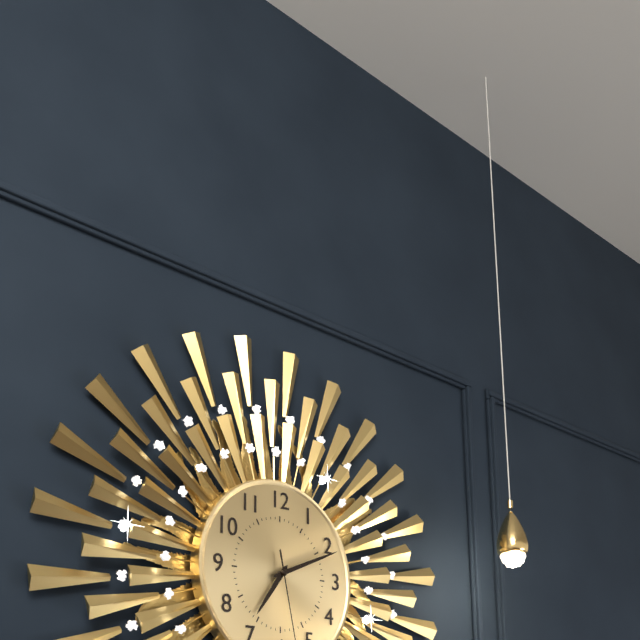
7:11
